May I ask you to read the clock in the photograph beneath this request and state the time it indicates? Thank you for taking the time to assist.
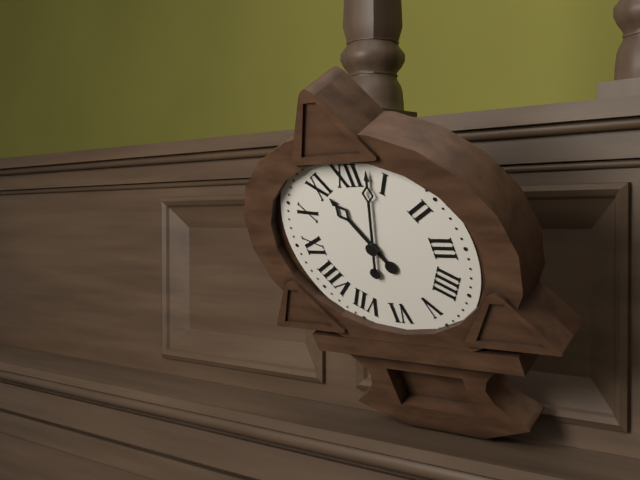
11:03
